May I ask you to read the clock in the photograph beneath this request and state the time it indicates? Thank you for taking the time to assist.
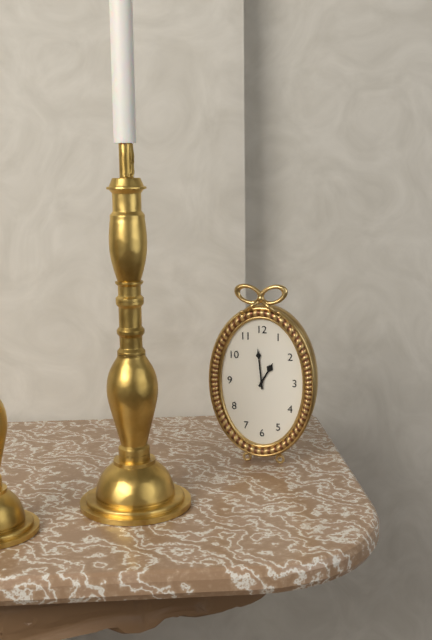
12:59
